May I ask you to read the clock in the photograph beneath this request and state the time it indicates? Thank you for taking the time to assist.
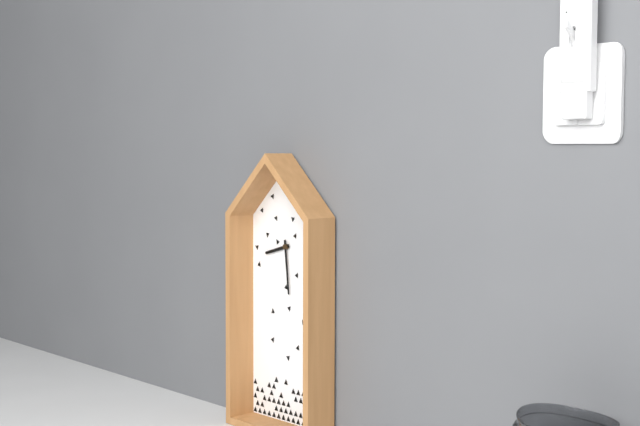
8:29
